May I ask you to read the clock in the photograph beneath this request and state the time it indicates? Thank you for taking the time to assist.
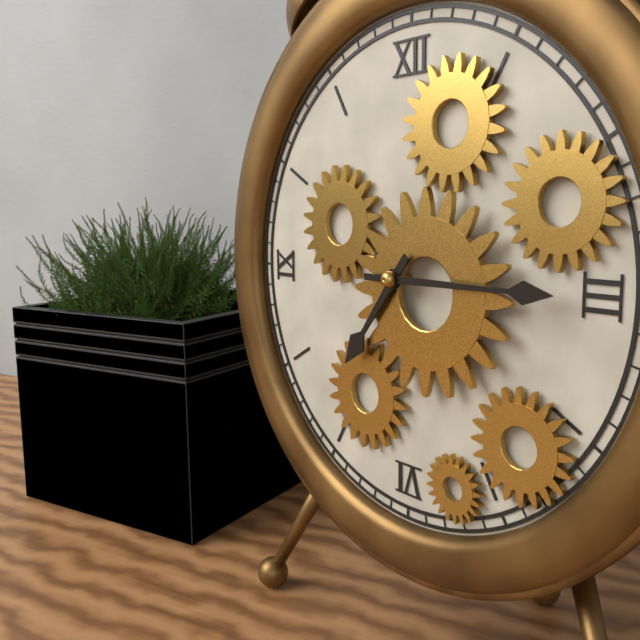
7:15
